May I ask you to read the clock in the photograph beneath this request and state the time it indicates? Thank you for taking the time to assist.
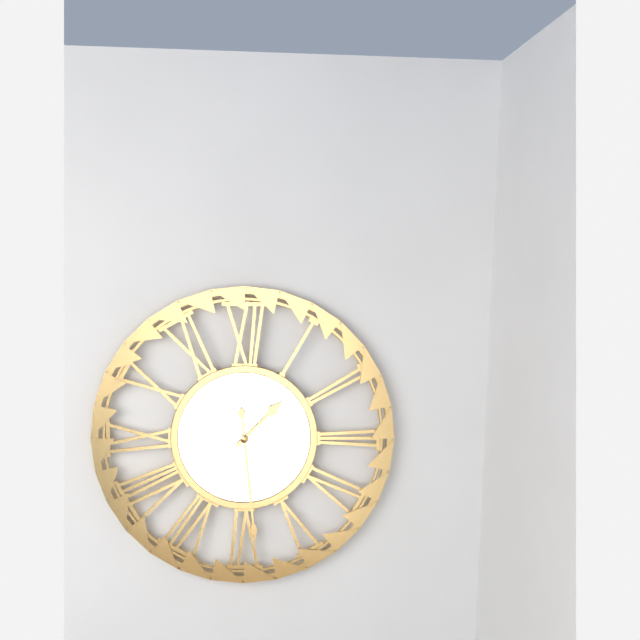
1:29
